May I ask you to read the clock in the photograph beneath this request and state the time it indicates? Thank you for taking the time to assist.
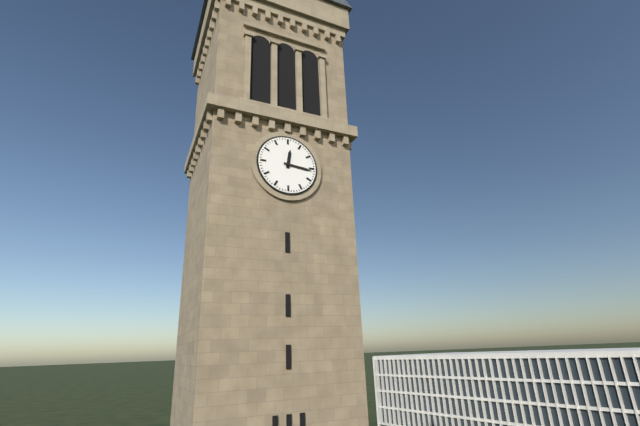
12:16
